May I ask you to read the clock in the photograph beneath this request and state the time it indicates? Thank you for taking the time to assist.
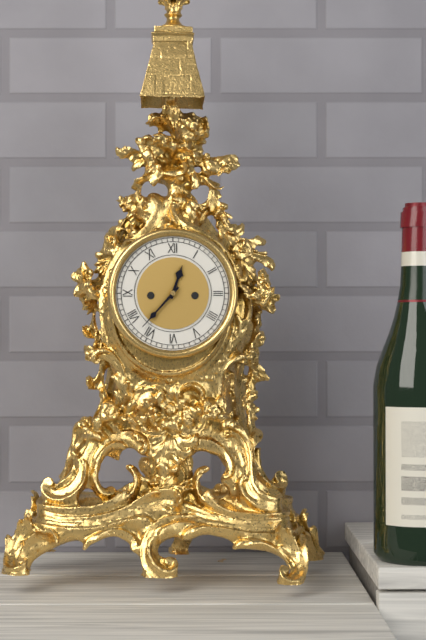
12:37
